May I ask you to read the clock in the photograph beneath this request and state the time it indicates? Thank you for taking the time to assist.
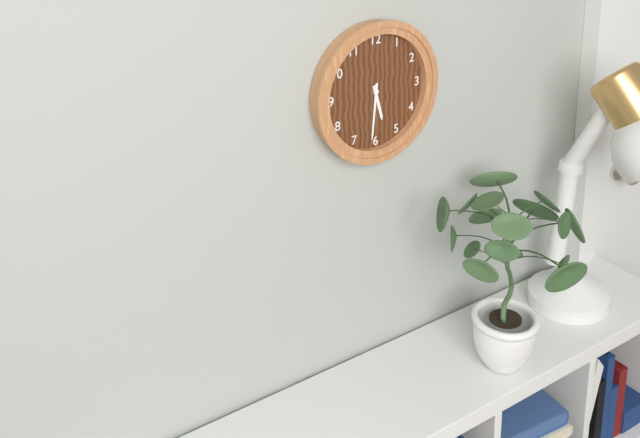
5:31
